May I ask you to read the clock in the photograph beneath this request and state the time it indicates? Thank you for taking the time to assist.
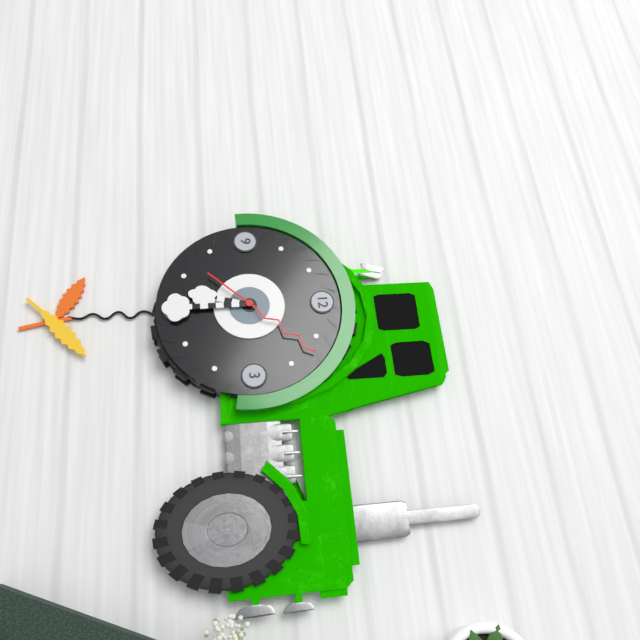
6:30:07
